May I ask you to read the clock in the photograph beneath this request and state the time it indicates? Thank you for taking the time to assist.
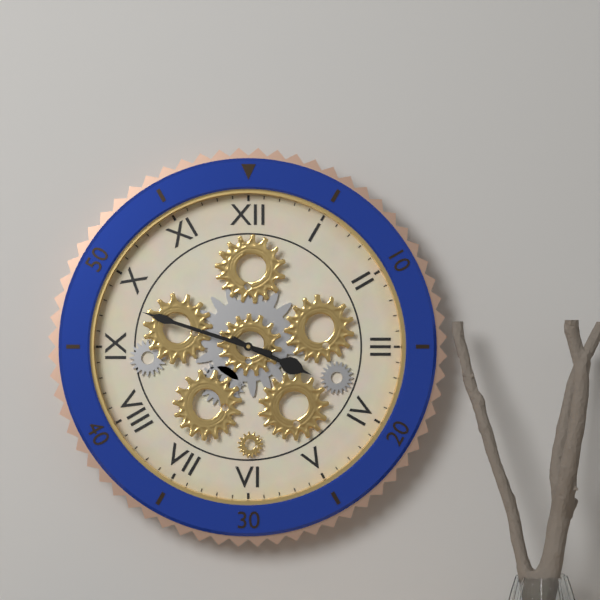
3:48
